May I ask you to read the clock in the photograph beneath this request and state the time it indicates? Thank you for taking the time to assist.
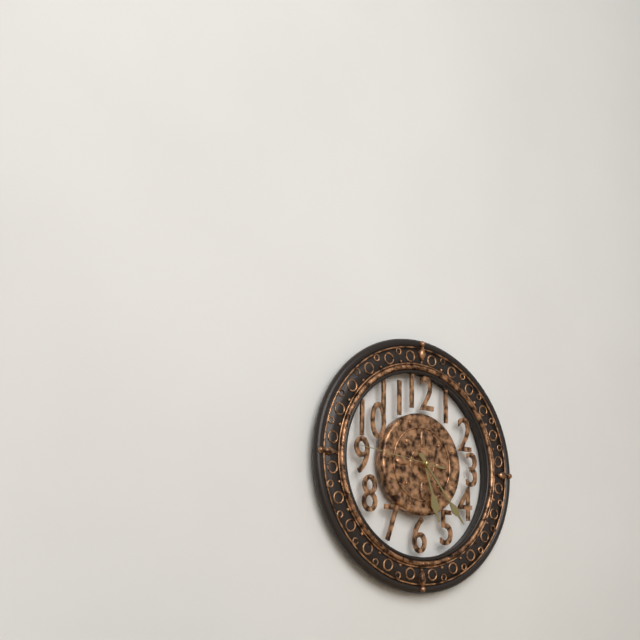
5:23:46
